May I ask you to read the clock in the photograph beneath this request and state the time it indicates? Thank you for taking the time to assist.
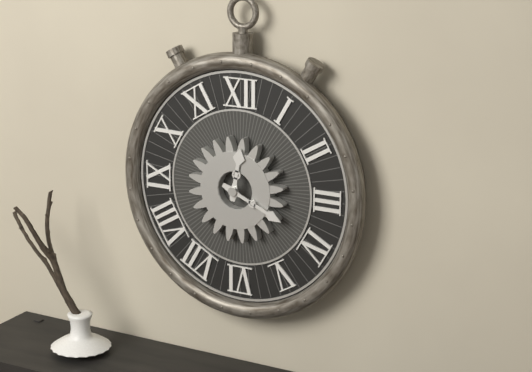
12:19
